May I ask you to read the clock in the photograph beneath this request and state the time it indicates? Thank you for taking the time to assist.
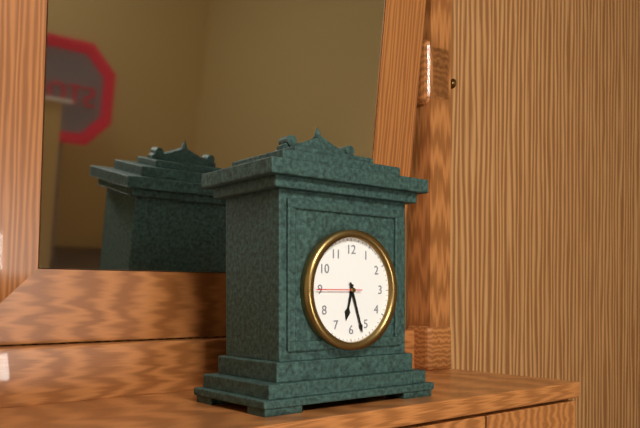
6:27
